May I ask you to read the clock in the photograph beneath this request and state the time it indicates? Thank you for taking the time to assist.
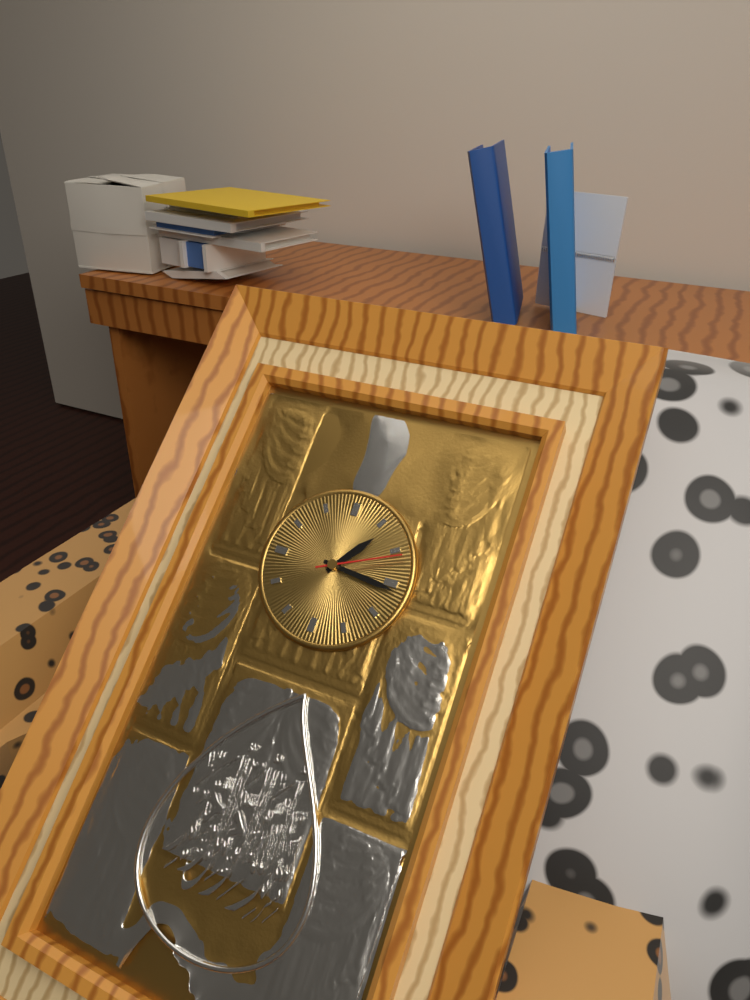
1:16:11
